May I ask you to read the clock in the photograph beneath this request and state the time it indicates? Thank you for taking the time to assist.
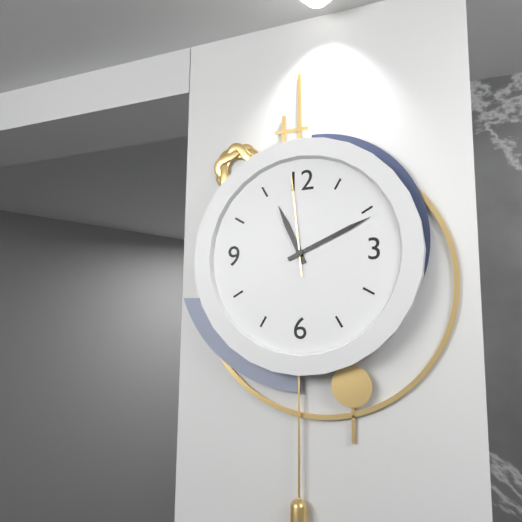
11:11:59
